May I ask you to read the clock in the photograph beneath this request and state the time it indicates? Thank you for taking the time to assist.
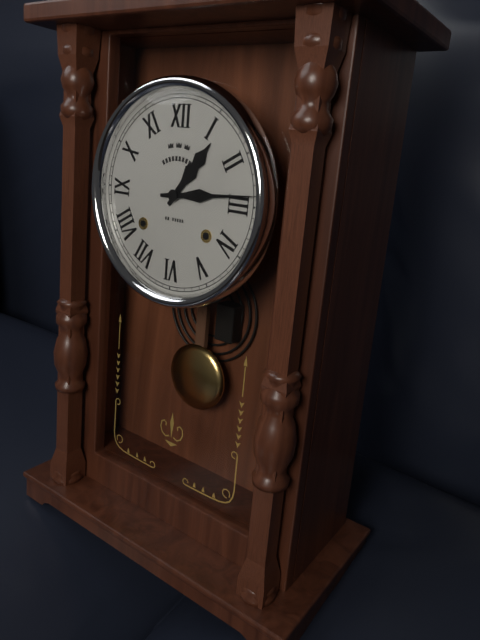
1:14
